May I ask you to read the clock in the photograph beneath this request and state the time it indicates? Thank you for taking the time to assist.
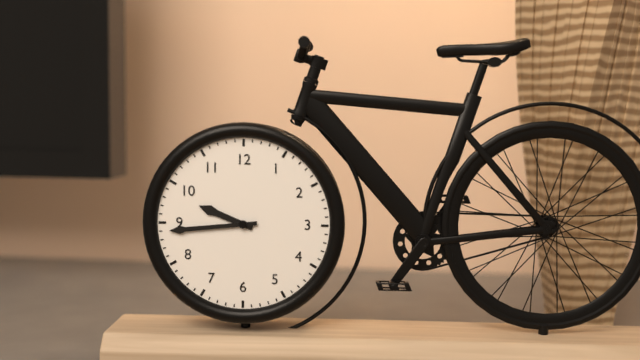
9:44
